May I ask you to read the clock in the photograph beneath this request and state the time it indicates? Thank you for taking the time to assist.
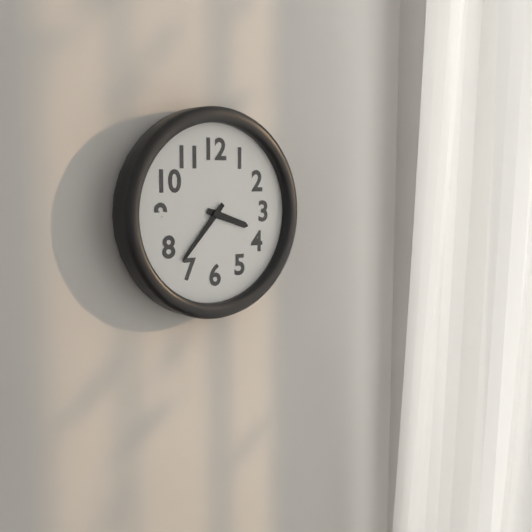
3:37
